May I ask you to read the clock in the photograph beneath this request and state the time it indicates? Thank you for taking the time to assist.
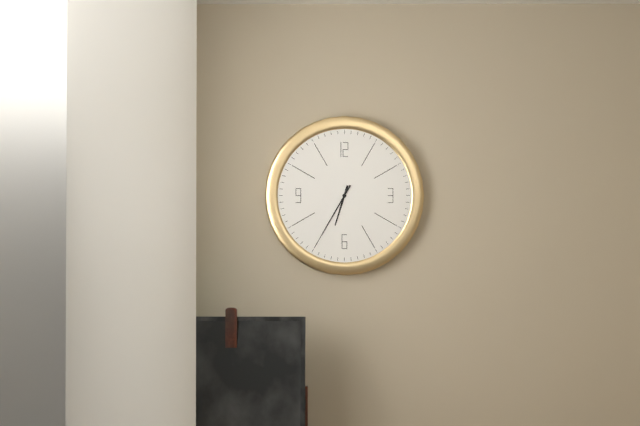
6:35
